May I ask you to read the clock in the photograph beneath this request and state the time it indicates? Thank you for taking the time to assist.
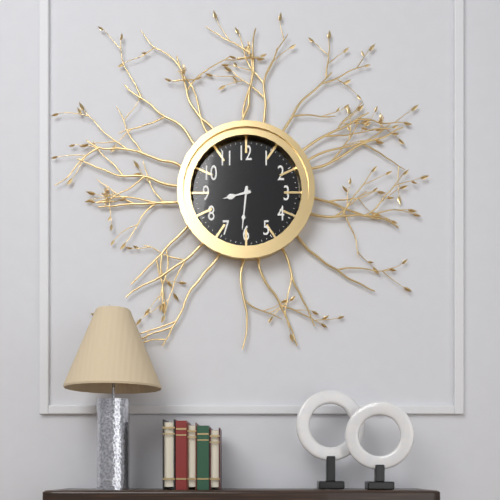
8:31
